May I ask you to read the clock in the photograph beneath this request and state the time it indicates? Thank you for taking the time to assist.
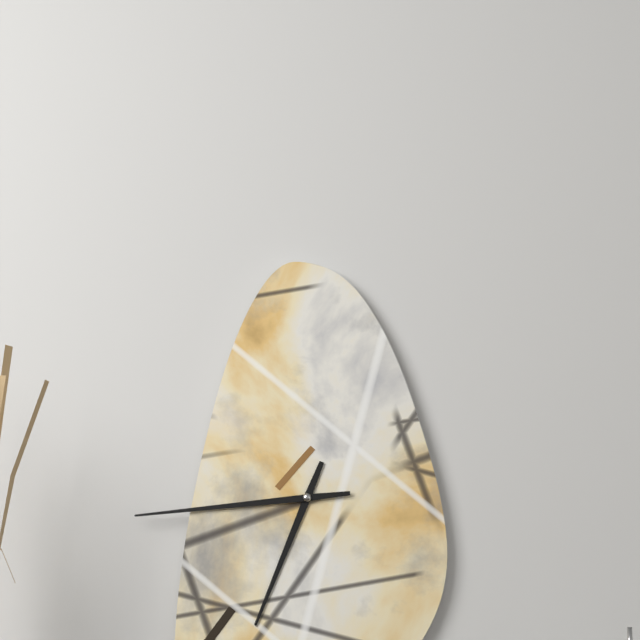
6:44
